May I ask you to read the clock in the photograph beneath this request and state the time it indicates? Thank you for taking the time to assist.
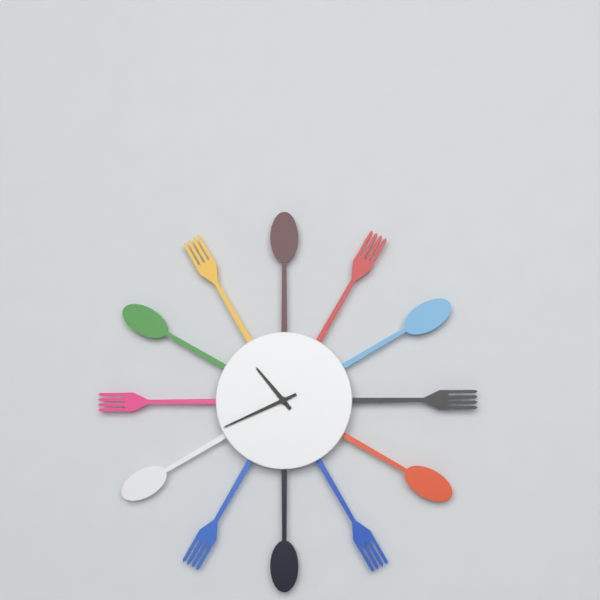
10:41
